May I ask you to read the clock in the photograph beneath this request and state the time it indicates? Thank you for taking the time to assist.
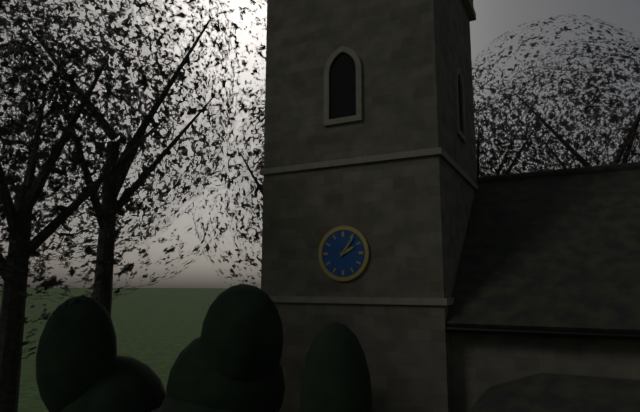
2:06
